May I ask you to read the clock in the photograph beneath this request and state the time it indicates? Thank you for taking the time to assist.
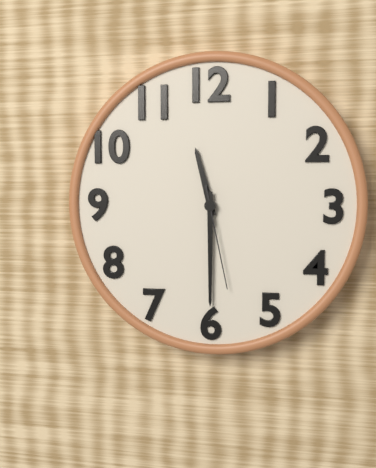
11:30:28
